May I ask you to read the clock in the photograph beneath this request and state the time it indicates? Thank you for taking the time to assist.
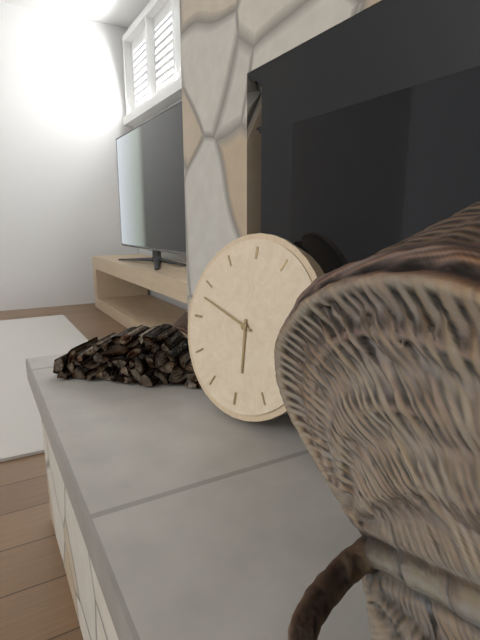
5:48
